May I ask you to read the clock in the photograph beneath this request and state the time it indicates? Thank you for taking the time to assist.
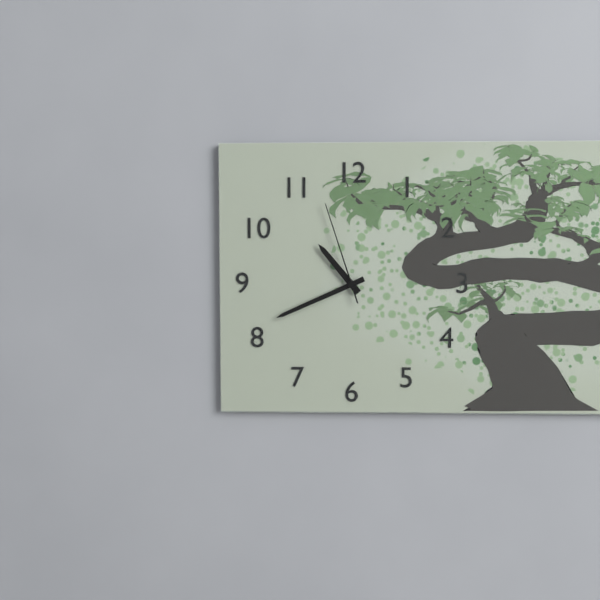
10:41:57
